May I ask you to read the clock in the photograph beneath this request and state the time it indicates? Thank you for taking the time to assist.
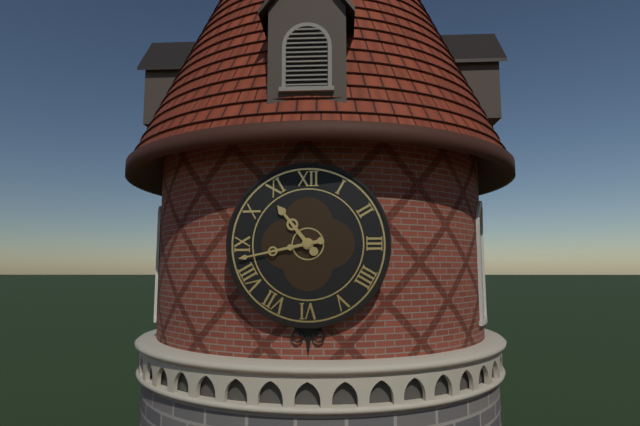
10:43
